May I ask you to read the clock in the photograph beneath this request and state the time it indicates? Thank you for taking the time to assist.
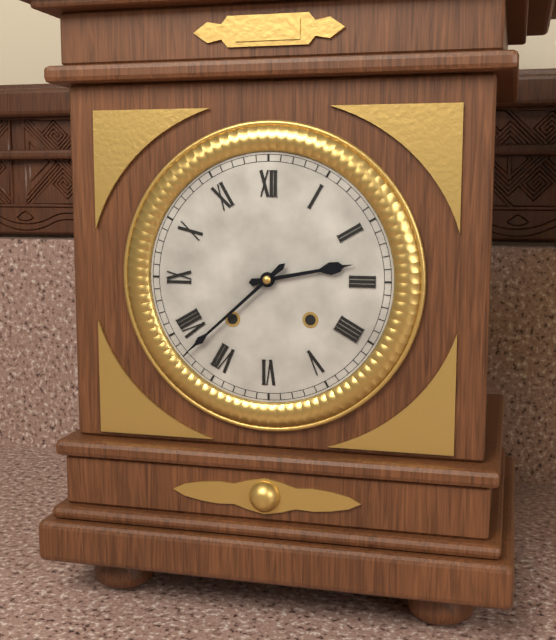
2:38
